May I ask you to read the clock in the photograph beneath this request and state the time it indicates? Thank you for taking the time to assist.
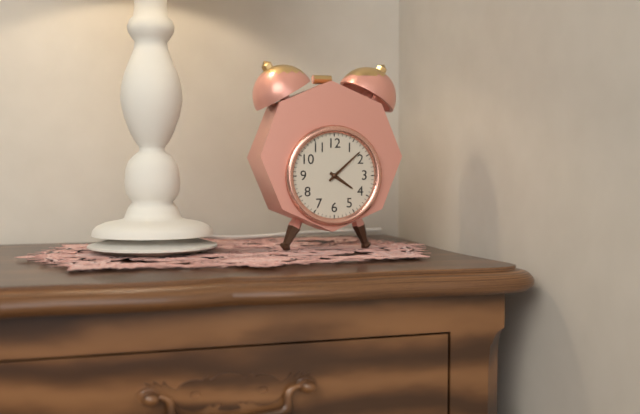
4:08
